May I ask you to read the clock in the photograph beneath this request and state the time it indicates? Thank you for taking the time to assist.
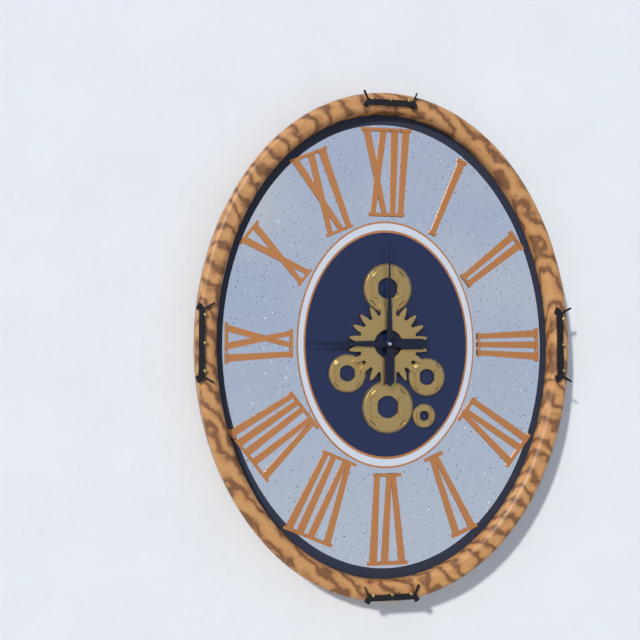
9:00
